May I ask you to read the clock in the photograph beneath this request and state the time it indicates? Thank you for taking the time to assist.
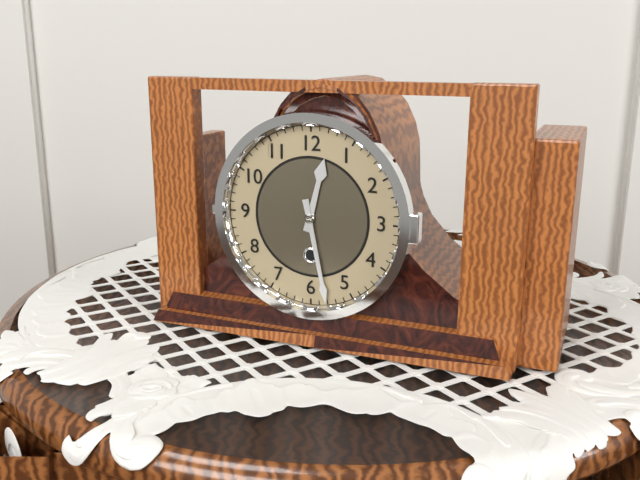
12:28
